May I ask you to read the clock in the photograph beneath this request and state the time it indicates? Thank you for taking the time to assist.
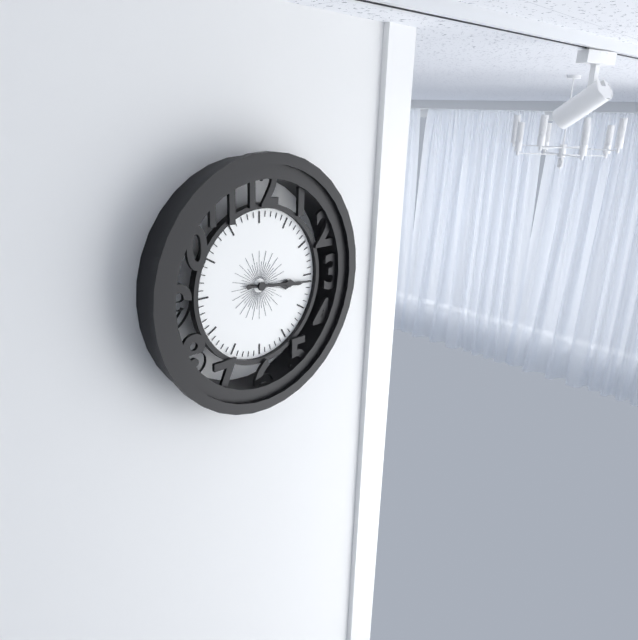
3:16
